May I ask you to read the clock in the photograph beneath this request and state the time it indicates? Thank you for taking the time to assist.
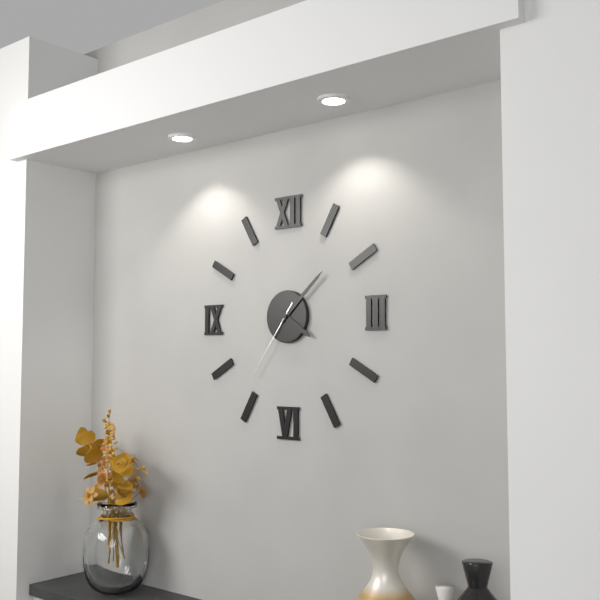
4:08:36
